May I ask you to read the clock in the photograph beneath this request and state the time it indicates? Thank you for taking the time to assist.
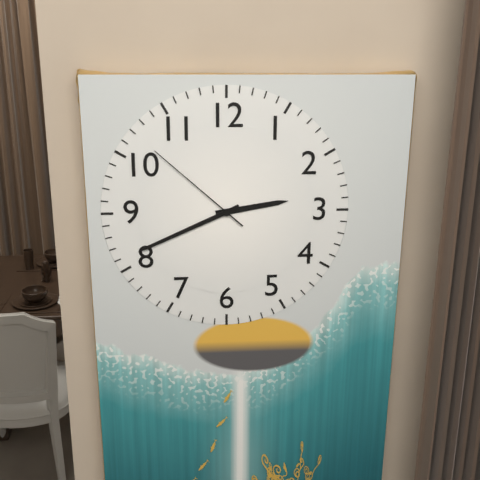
2:41:52
